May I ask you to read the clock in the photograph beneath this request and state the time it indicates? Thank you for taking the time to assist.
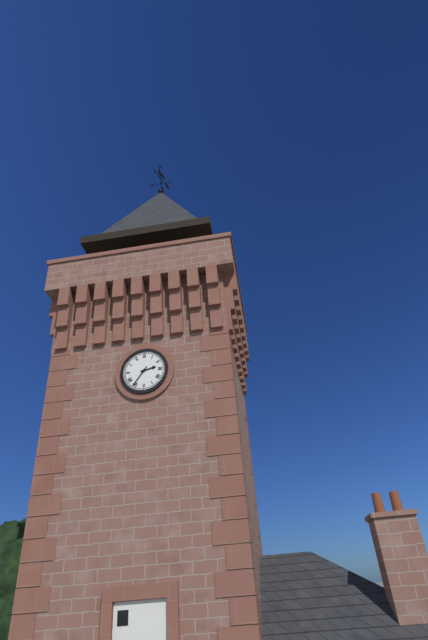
2:36
